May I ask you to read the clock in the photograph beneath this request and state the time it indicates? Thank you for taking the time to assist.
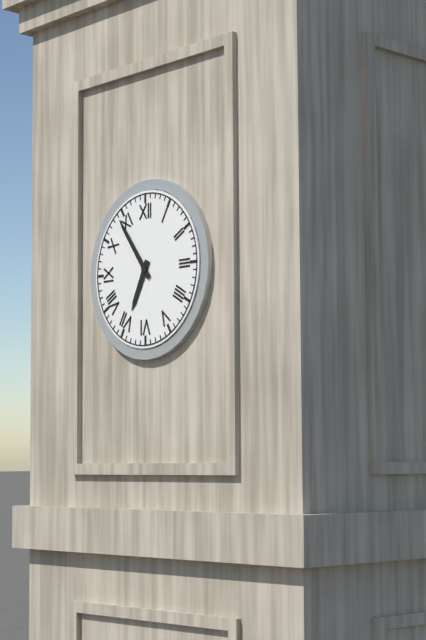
6:54
